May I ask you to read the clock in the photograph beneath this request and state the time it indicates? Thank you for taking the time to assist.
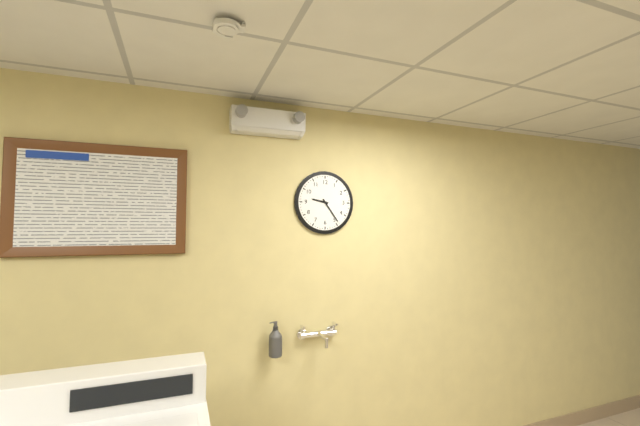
9:24
